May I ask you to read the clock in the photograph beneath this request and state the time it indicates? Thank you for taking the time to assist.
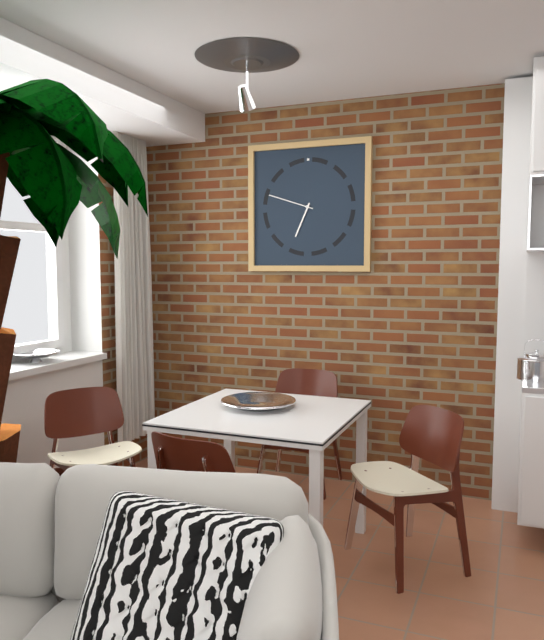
6:48
